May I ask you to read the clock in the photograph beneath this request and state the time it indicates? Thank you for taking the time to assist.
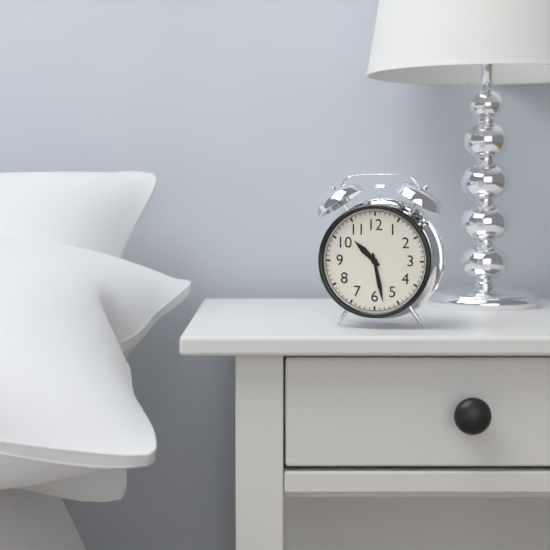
10:28
